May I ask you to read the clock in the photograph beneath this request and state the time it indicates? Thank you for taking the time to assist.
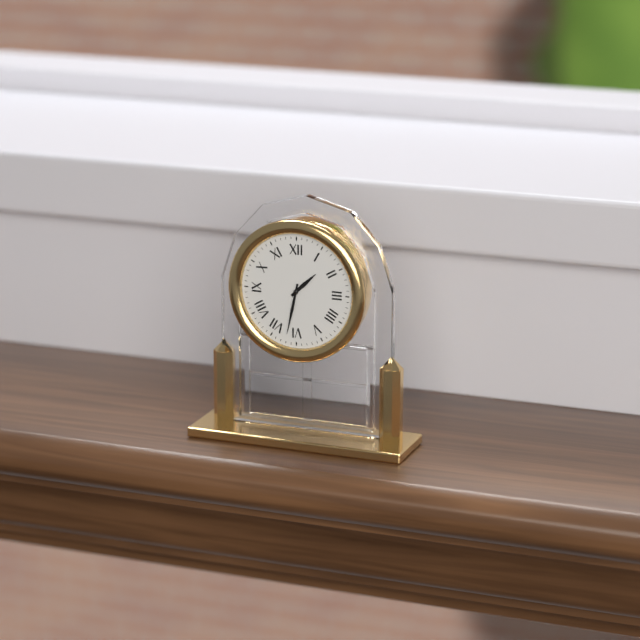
1:32
